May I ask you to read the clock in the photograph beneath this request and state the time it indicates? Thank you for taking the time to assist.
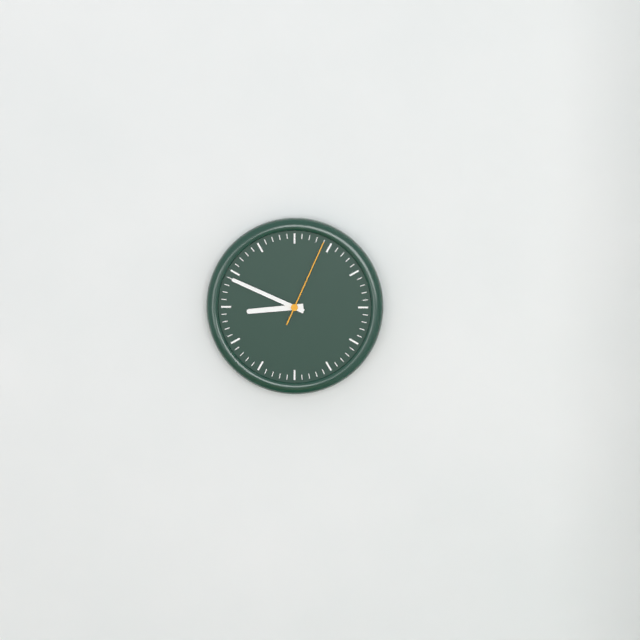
8:49:04
